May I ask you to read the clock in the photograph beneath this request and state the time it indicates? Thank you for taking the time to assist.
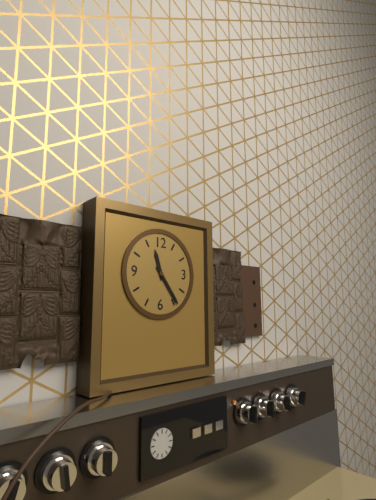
11:24
